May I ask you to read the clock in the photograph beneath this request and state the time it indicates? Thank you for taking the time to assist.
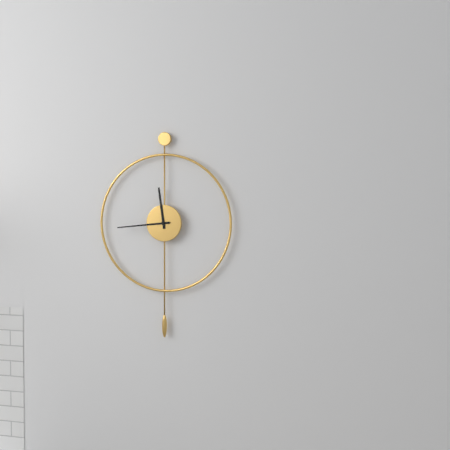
11:44
